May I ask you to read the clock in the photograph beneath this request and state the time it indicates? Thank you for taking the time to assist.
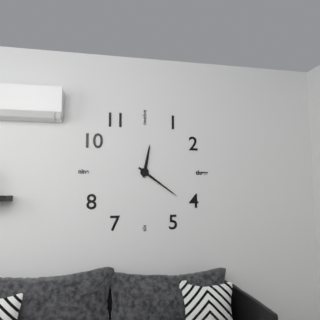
12:21
